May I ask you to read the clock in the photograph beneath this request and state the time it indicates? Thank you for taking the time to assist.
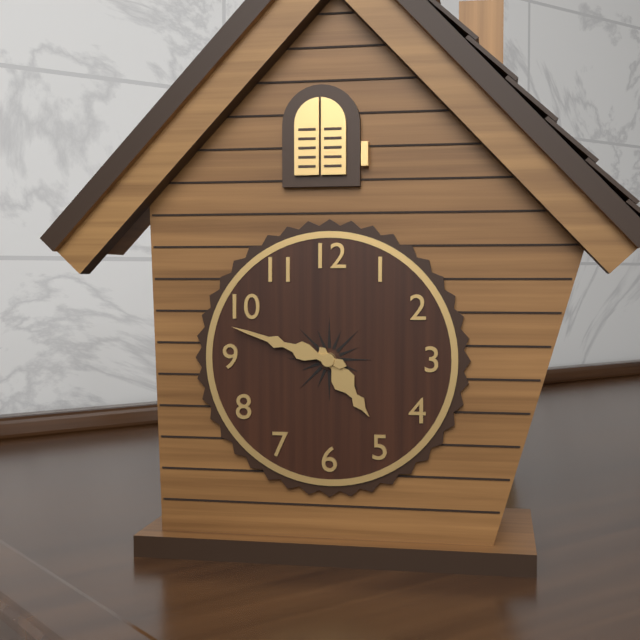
4:48
